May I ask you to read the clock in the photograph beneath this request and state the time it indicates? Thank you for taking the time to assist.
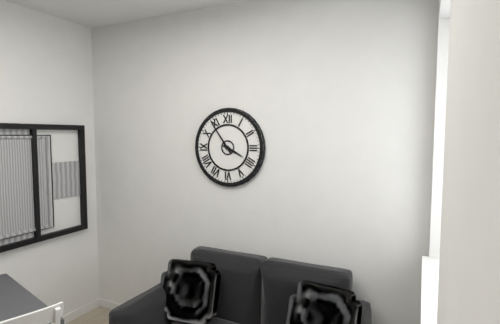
3:54
